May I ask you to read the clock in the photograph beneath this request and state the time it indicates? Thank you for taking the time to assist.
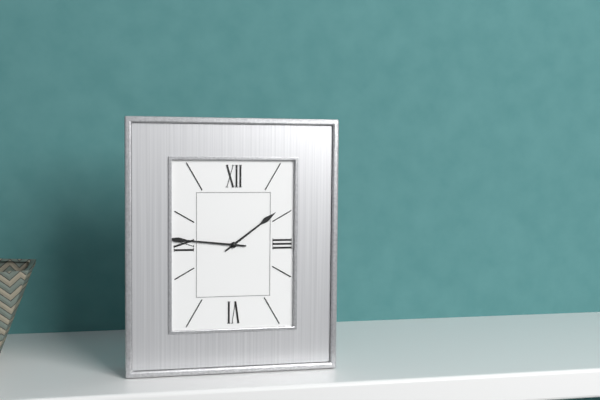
1:46
